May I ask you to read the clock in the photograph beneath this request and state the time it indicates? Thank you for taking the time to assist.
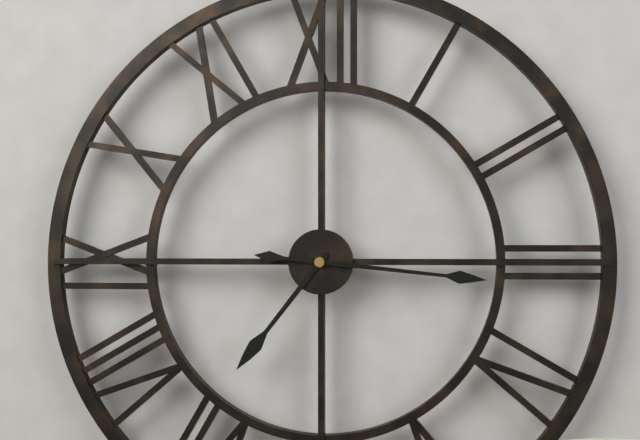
7:16
